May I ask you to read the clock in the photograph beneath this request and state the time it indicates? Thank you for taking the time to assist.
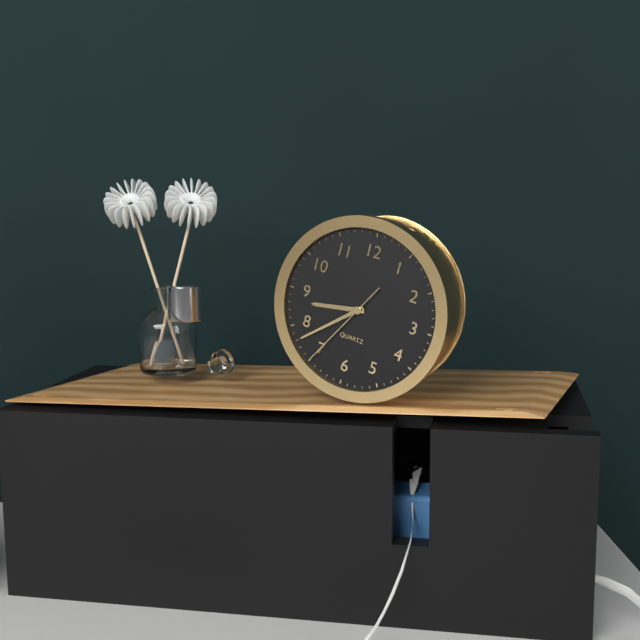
8:38:35
